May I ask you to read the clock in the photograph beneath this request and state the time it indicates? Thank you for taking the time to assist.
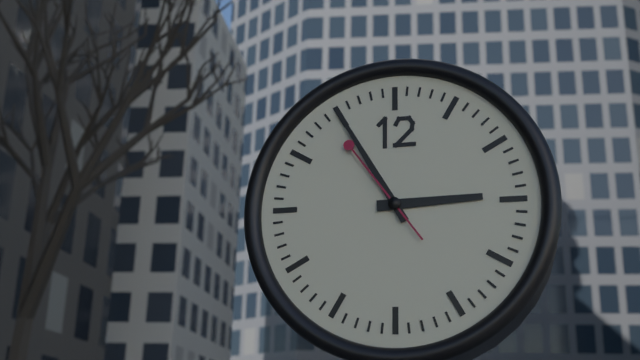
2:55:54
